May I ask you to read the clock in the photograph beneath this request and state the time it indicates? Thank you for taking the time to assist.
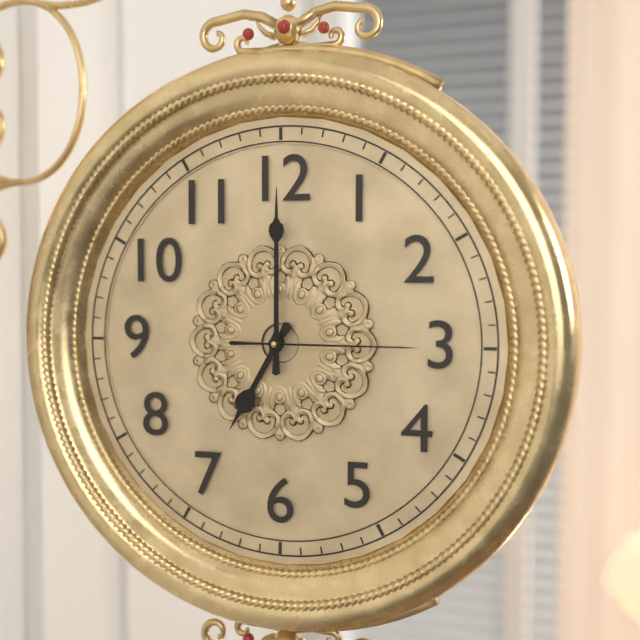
7:00:15
